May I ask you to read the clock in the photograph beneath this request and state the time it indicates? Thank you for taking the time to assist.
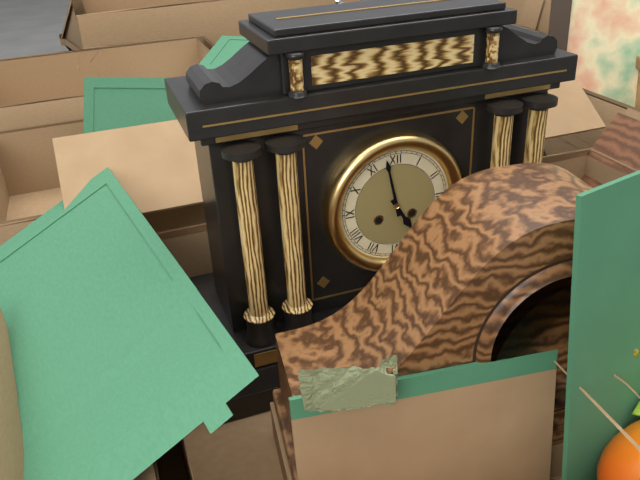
4:58
